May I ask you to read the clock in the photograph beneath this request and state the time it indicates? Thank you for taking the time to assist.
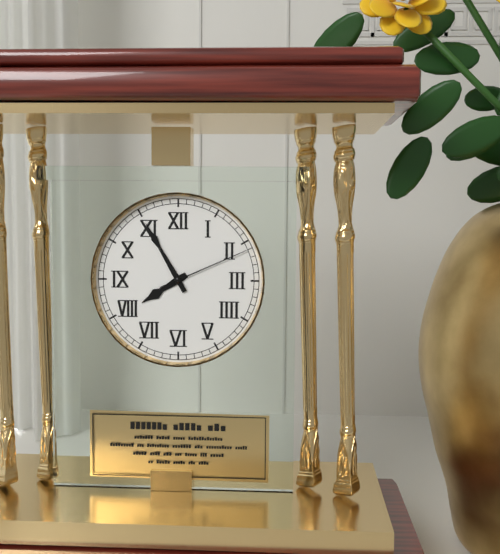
7:55:11
